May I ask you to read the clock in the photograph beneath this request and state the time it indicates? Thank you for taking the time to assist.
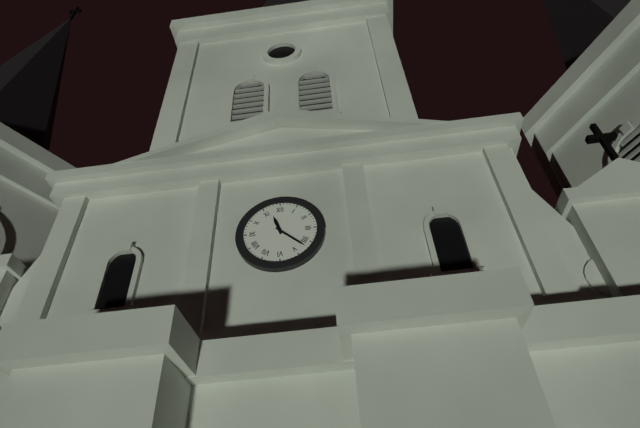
11:22
